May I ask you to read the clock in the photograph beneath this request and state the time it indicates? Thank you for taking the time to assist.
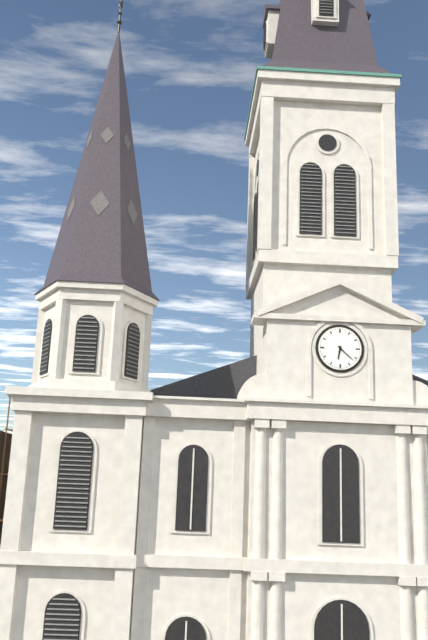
6:22
